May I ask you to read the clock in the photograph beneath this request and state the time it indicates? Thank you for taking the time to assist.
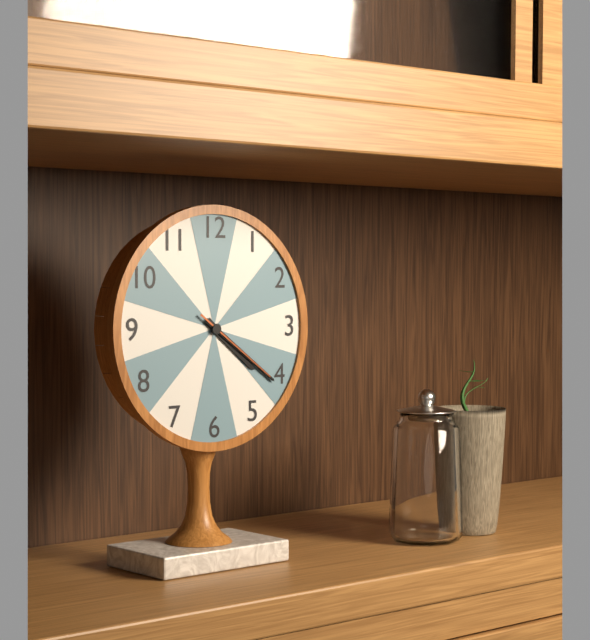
4:21:21
